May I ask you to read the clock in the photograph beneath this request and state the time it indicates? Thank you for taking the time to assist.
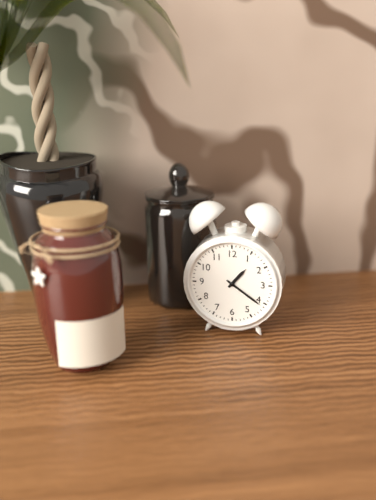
1:21
